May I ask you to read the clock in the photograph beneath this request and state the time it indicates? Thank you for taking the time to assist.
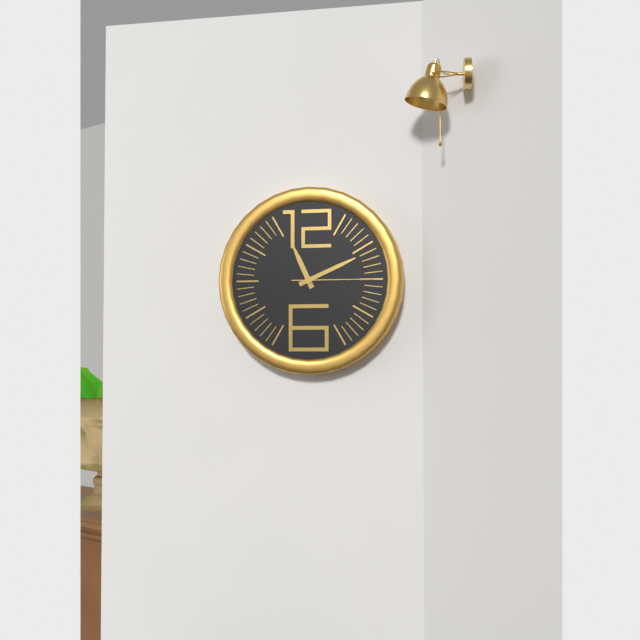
11:11:15
